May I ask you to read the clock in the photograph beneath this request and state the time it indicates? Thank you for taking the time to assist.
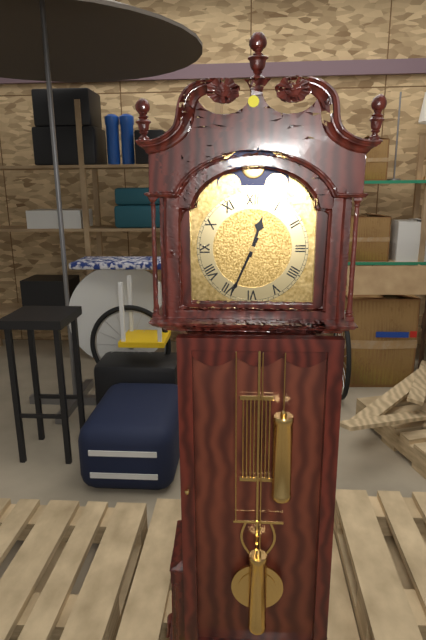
12:34
